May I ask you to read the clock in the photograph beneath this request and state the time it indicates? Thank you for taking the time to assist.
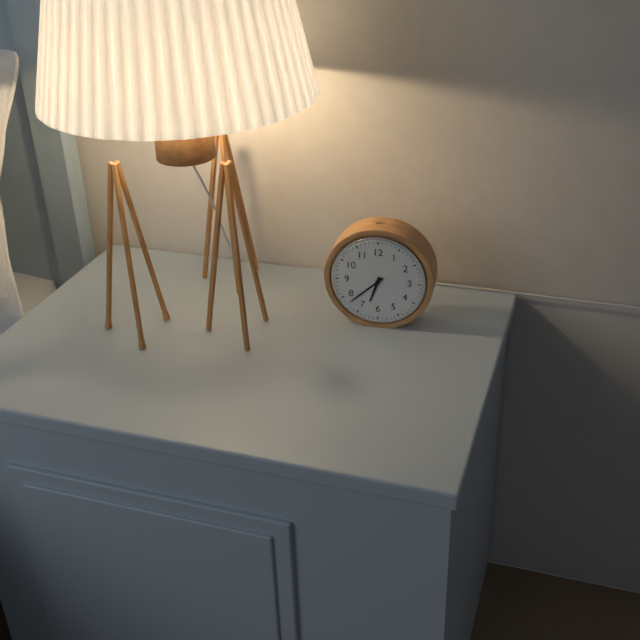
6:38
